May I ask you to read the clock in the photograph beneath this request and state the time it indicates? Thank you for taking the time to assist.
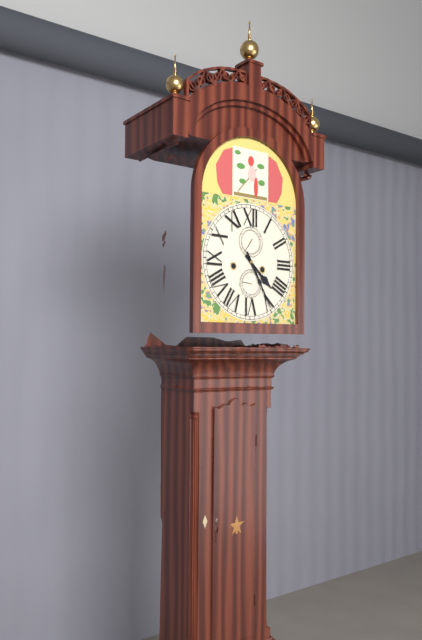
4:25
